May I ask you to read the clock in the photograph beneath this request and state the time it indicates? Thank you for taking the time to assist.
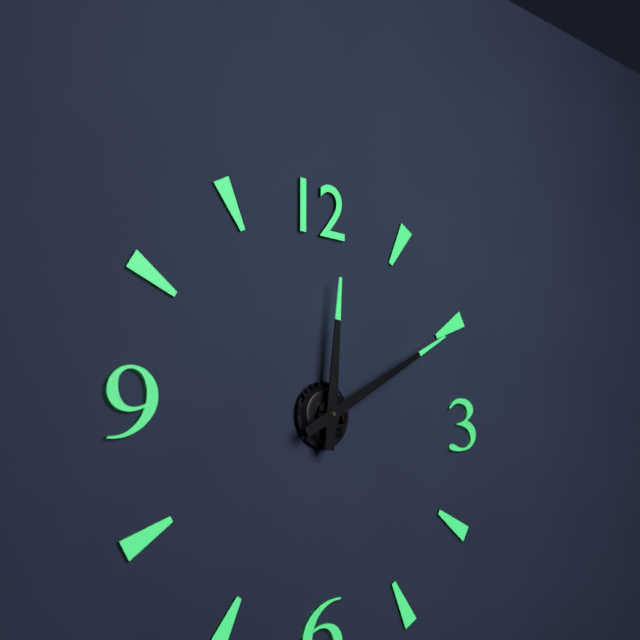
12:10
